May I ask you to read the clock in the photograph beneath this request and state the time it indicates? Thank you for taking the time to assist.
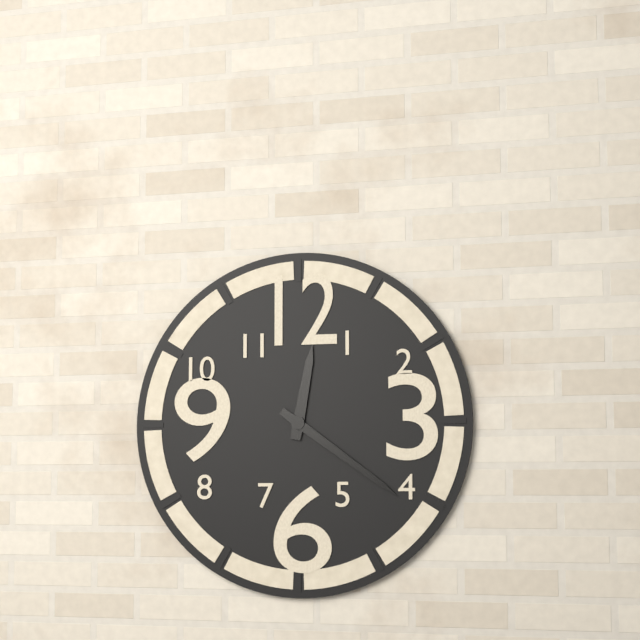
12:21
